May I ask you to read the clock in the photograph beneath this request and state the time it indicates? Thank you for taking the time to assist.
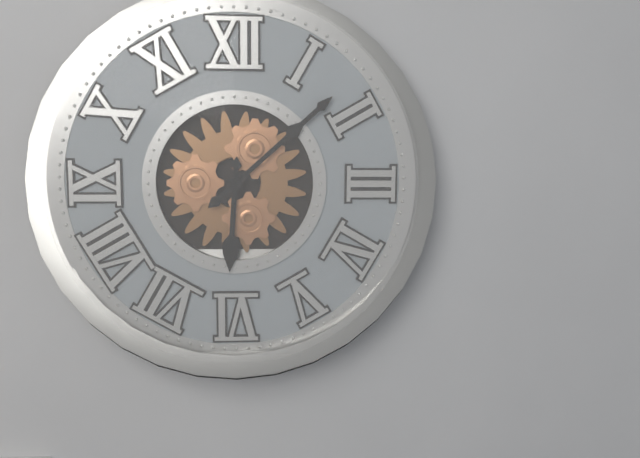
6:08
